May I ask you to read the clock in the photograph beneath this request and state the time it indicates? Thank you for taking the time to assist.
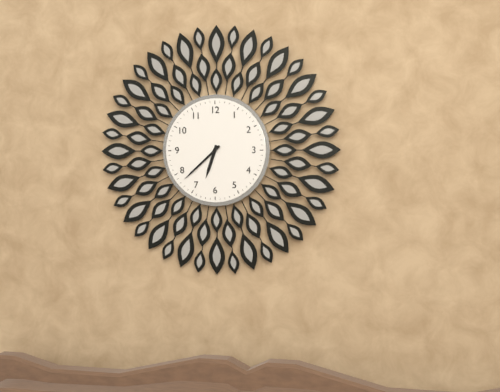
6:38
